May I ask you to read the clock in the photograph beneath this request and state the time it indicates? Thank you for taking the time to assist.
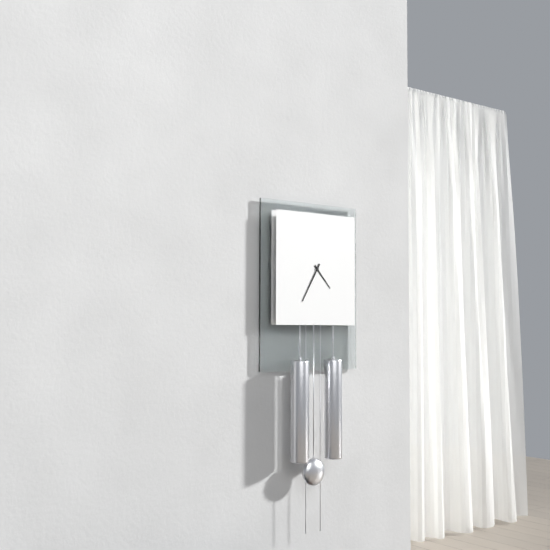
4:35
